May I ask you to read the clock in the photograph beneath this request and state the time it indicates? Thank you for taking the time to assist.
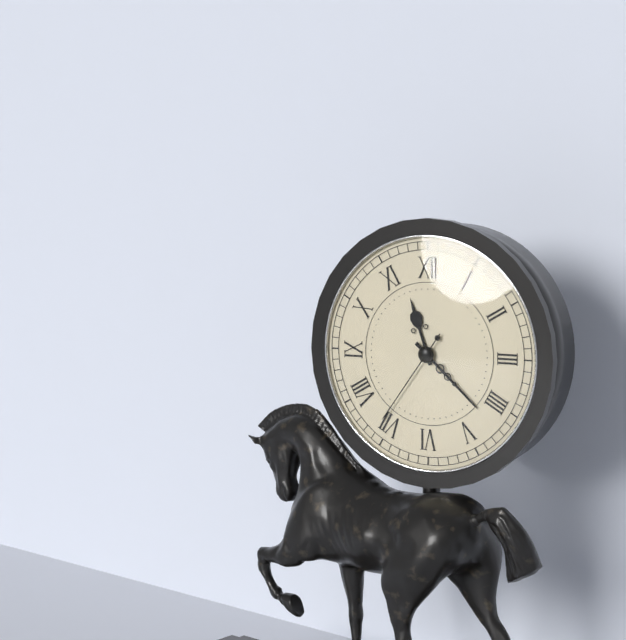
11:22:36
